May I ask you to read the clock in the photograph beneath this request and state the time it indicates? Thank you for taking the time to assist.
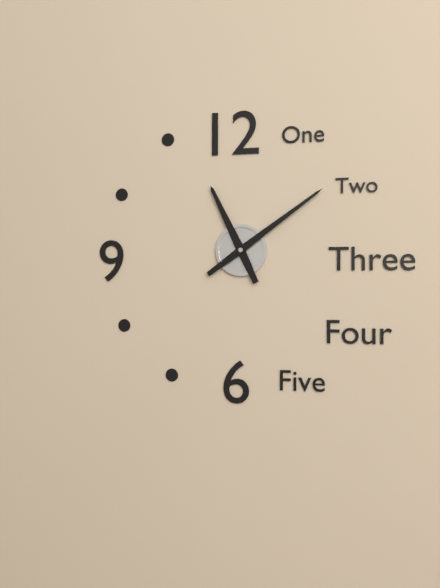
11:09
